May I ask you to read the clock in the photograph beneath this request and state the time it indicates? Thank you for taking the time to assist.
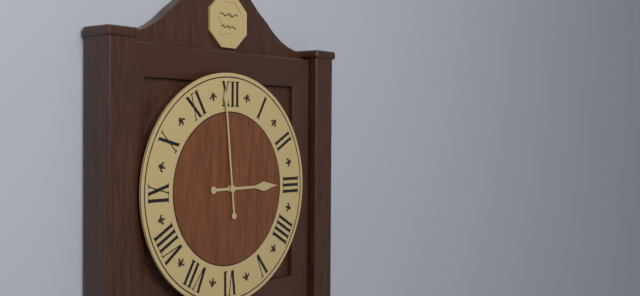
2:59
